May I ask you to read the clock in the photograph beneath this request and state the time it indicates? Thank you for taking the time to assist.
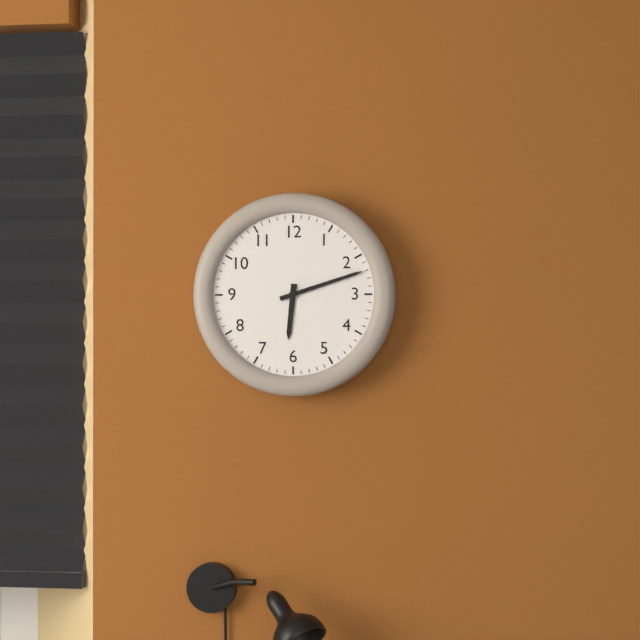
6:12
